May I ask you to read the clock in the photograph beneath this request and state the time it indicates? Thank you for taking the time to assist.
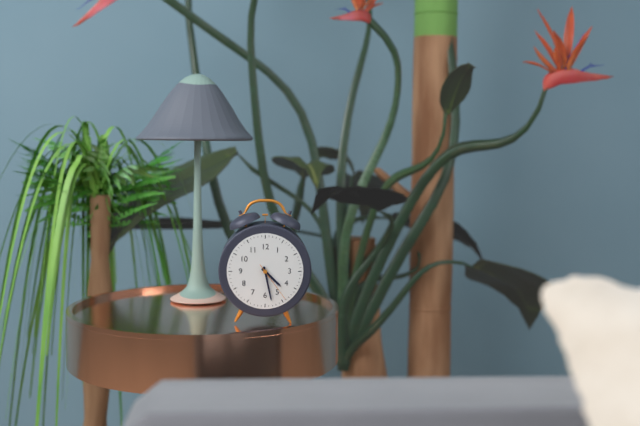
4:28
